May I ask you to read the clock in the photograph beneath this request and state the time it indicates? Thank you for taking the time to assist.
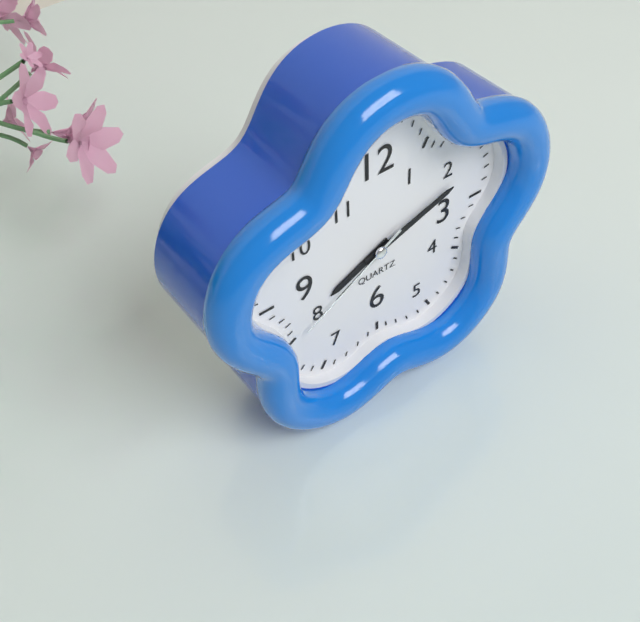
8:12:40
